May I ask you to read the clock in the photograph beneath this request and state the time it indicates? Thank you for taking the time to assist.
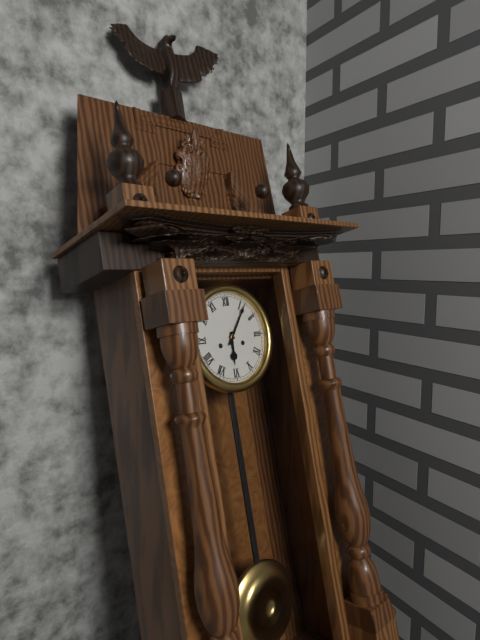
6:06
